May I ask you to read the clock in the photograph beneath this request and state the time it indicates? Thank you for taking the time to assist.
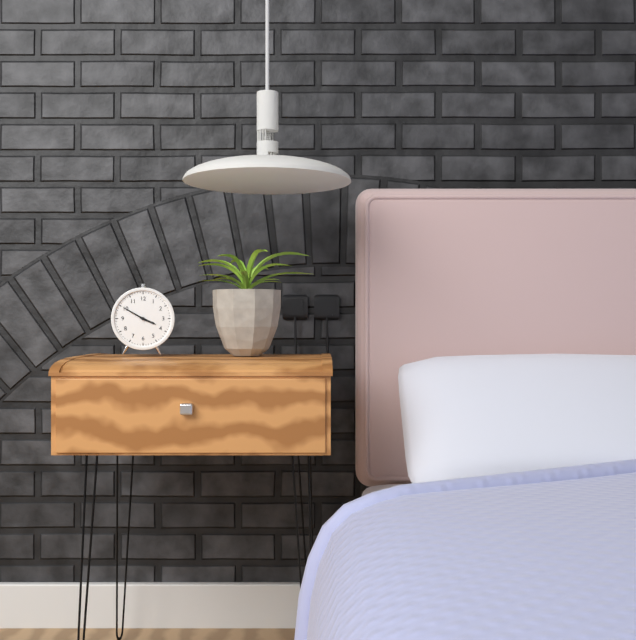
3:50
